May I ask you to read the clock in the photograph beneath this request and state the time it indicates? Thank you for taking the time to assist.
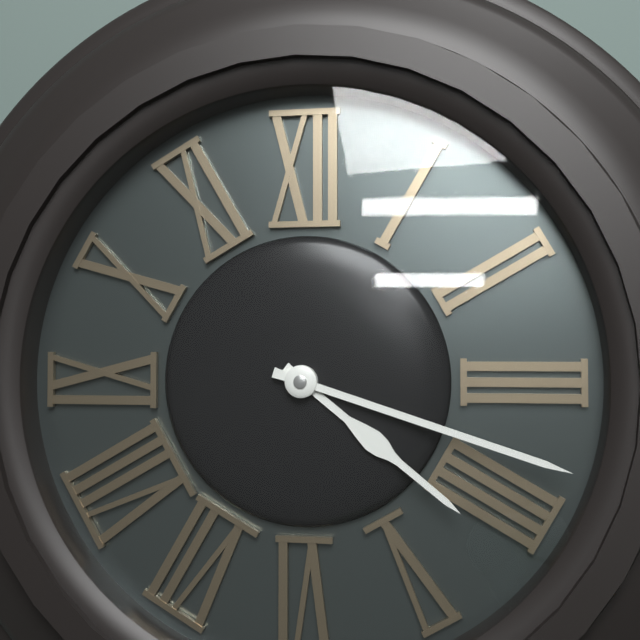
4:18
